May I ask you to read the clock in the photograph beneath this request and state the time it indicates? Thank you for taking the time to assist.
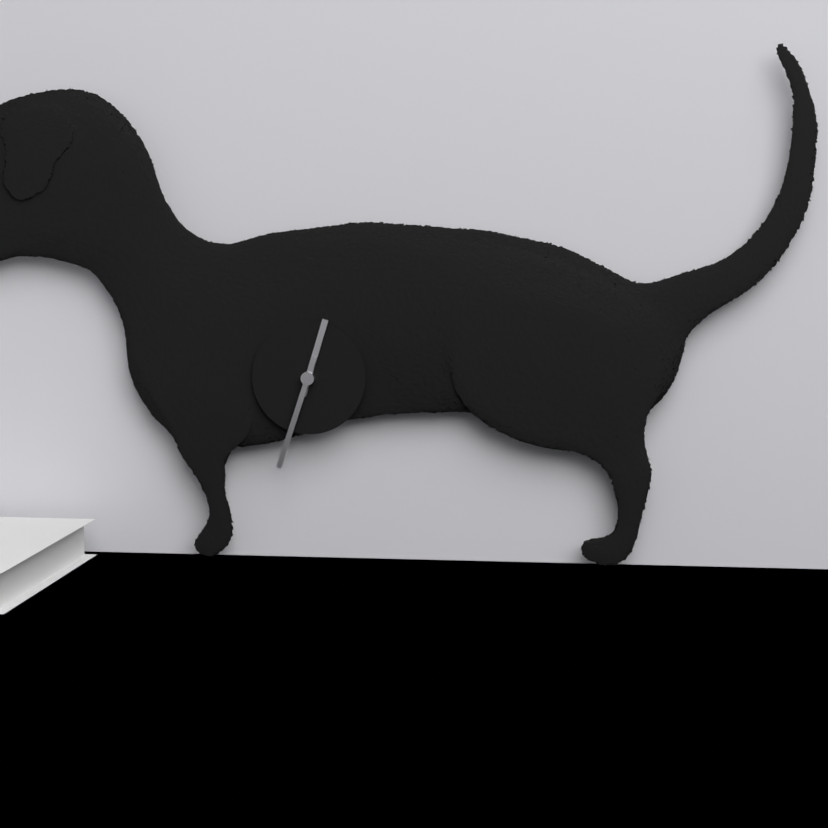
12:33
